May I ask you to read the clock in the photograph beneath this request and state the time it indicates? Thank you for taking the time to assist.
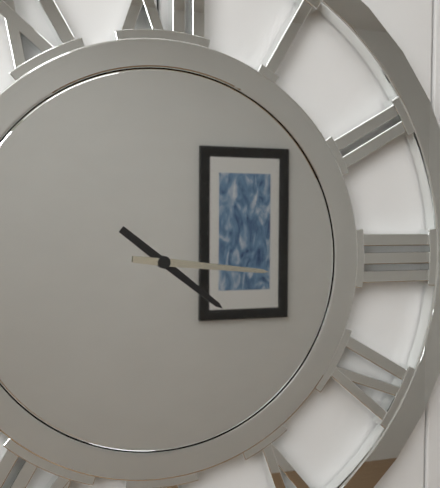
4:16
